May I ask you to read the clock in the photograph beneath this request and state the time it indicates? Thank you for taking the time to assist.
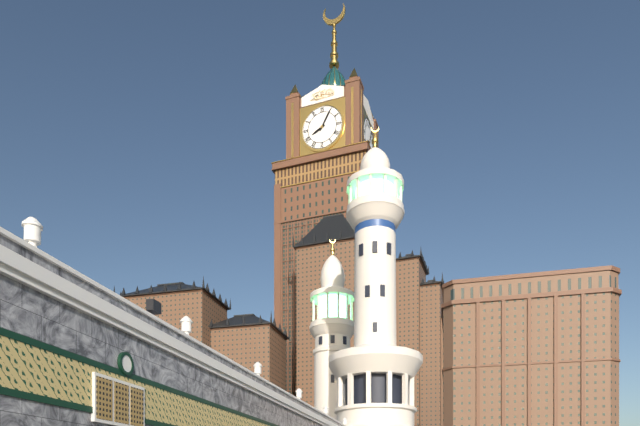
8:05
